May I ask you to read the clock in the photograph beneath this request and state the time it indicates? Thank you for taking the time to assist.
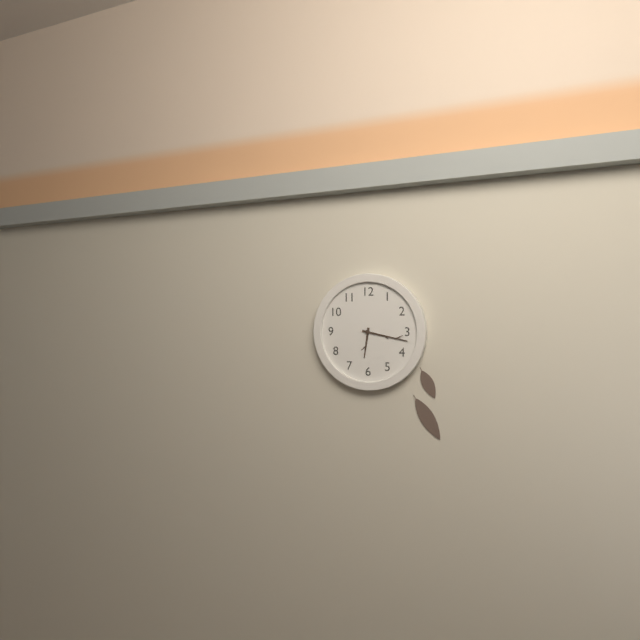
6:17
